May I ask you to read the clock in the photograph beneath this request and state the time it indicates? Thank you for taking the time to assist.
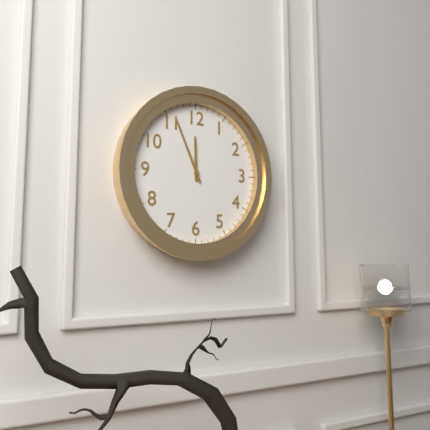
11:56
